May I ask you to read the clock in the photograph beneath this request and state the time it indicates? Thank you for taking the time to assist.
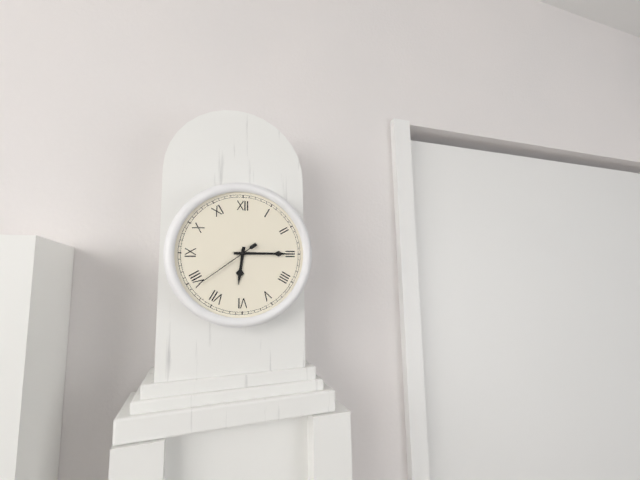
6:15:39
